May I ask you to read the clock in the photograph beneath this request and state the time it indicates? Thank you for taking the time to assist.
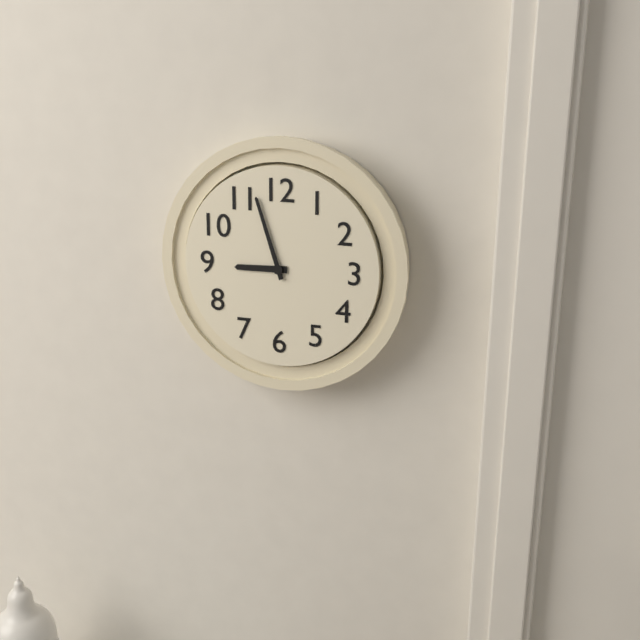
8:57
